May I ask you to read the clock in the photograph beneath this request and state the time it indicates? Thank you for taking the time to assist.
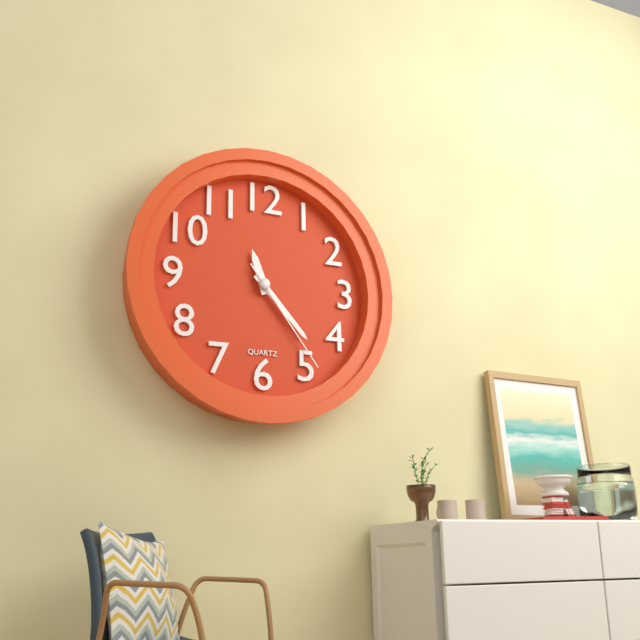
11:23:24
